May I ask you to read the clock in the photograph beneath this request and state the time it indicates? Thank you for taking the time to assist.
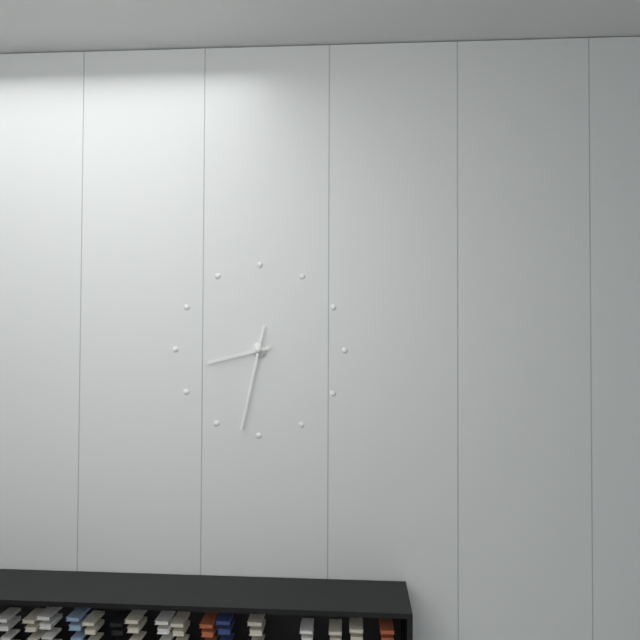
8:32
